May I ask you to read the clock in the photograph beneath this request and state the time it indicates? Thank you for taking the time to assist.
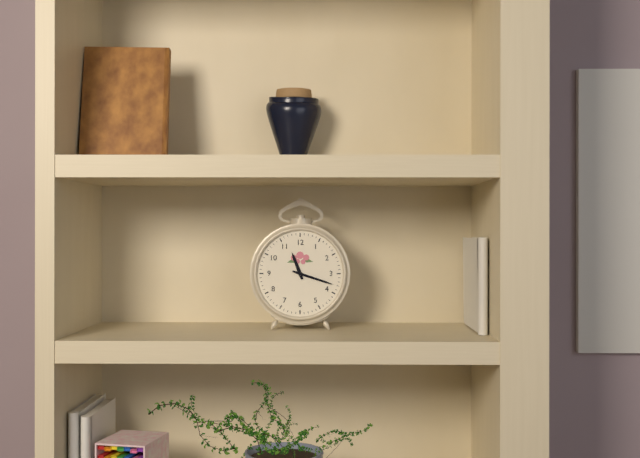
11:18
